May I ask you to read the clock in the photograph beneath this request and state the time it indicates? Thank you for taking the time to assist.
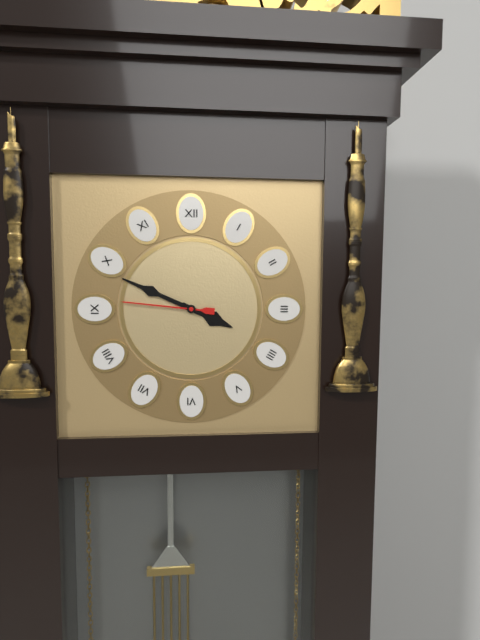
3:49:46
